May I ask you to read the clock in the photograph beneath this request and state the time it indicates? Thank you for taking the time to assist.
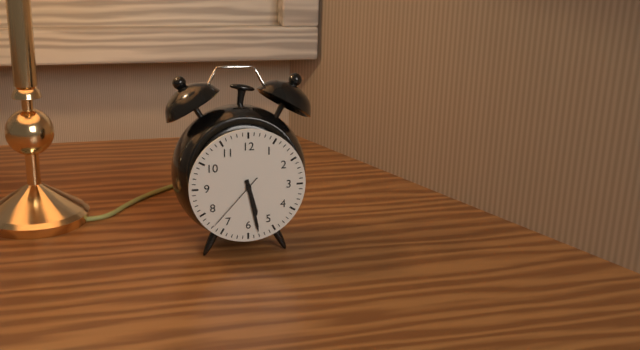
5:28:37
